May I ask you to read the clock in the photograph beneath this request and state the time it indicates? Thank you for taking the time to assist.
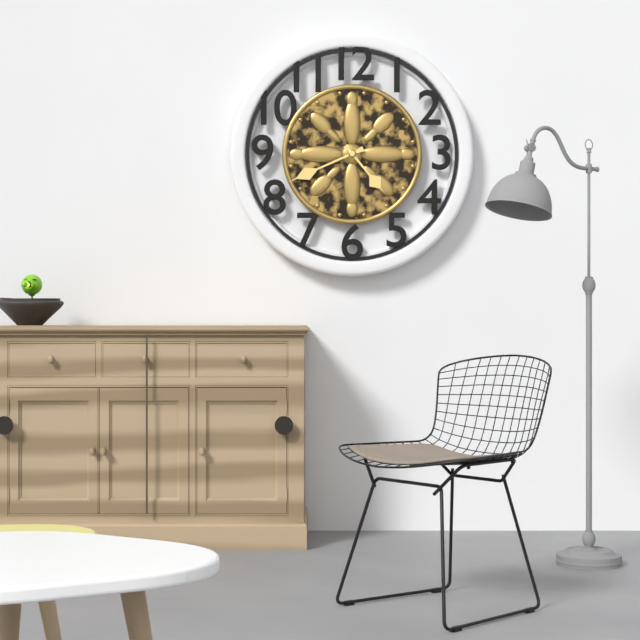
4:41
